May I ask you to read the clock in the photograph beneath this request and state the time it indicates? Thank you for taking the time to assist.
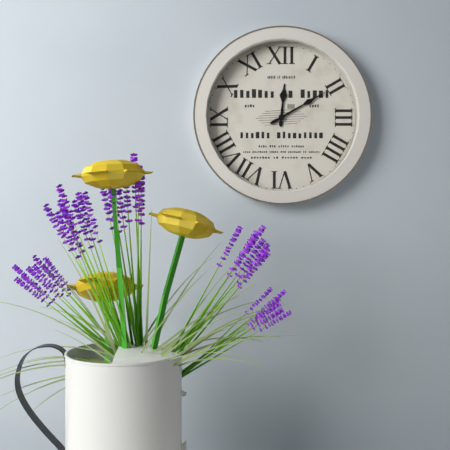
12:10
